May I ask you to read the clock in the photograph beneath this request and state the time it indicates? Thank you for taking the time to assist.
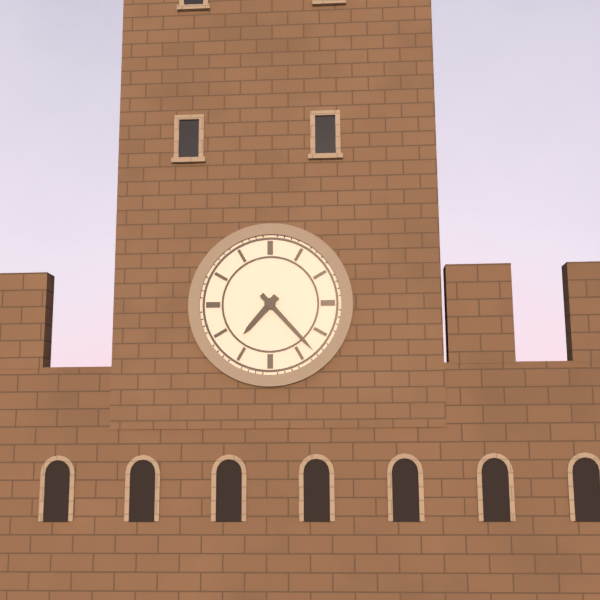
7:23
